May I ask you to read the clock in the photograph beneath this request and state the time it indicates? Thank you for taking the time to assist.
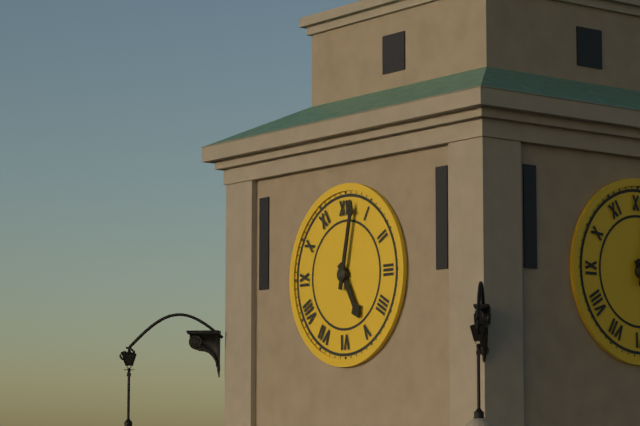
5:02
